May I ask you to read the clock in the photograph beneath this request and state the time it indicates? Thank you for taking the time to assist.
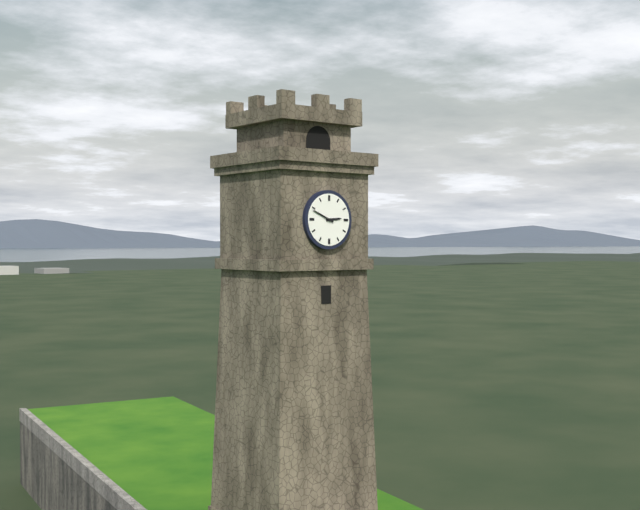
2:49
